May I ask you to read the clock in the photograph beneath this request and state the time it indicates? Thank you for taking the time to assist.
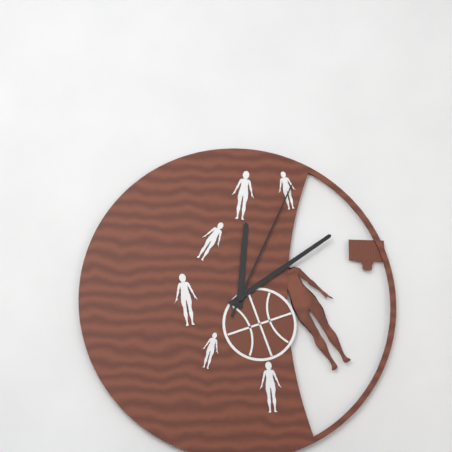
12:09:04
